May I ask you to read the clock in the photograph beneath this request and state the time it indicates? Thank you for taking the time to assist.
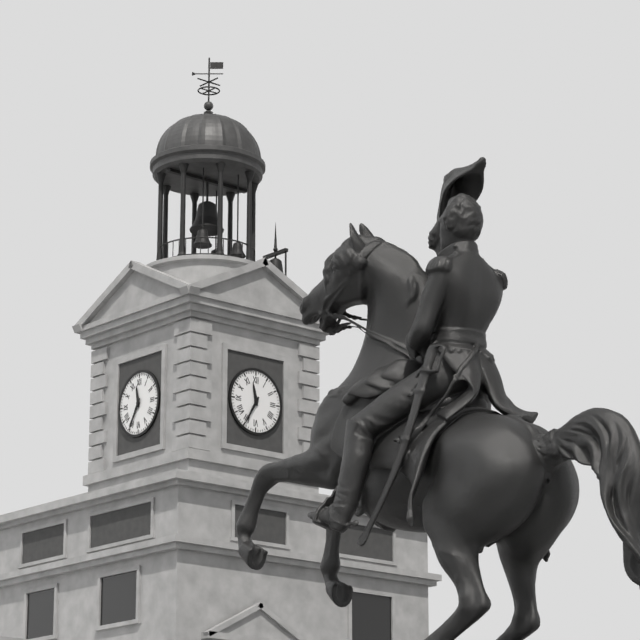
11:35
